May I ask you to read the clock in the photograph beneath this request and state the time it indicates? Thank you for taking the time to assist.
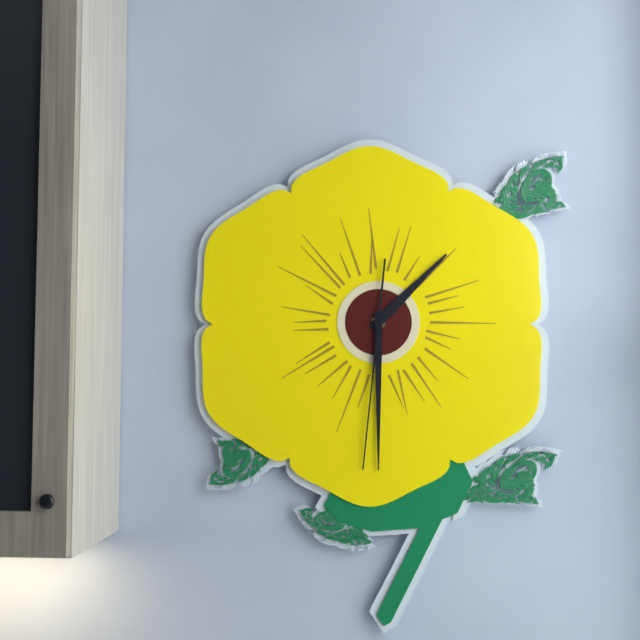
1:30:31
